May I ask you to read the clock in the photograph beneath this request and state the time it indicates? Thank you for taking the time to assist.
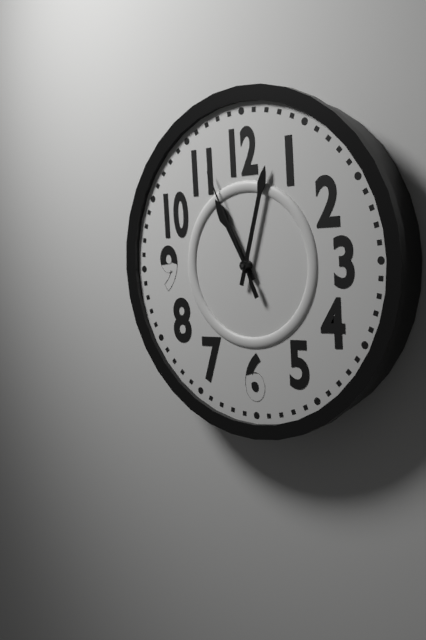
11:03:56
